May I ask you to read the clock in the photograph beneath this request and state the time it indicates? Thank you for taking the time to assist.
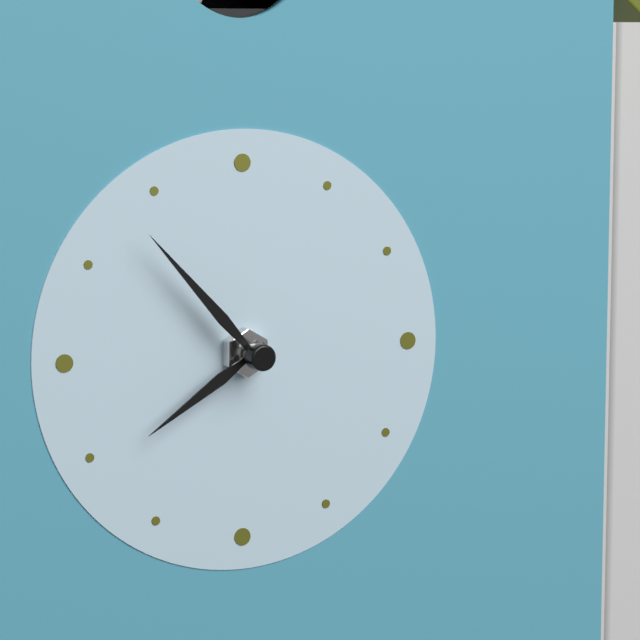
7:53
